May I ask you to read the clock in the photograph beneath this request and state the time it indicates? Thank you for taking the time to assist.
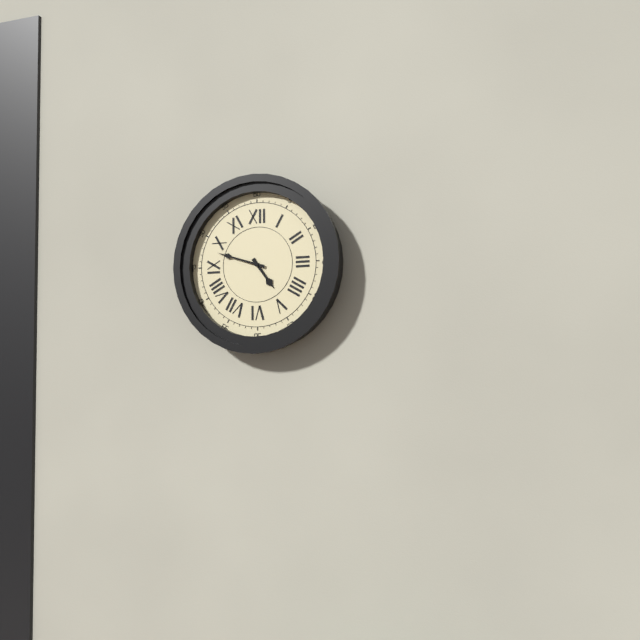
4:48
